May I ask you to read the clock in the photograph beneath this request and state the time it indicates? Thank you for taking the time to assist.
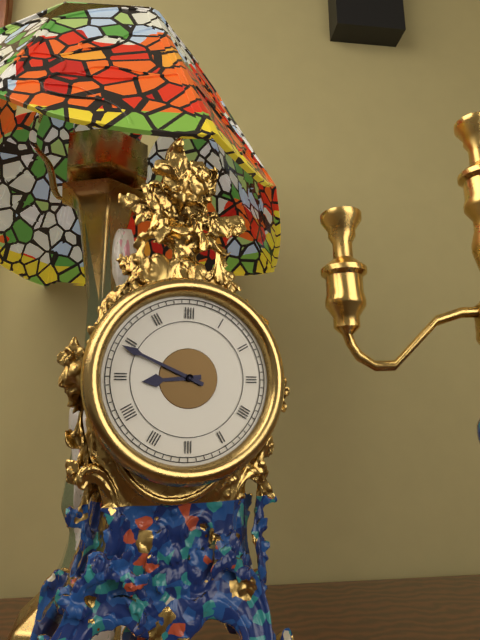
8:49
